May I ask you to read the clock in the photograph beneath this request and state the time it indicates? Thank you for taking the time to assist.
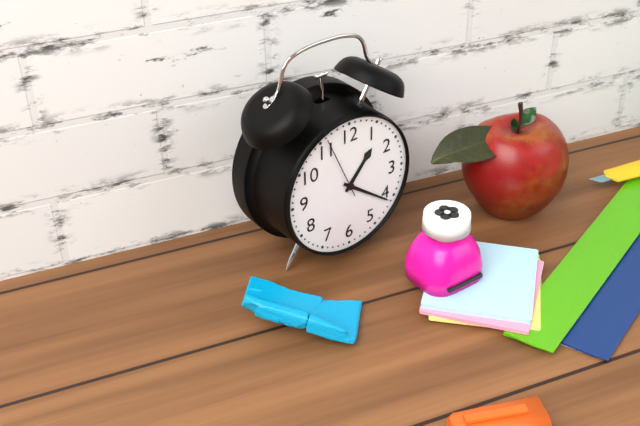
1:21:56
